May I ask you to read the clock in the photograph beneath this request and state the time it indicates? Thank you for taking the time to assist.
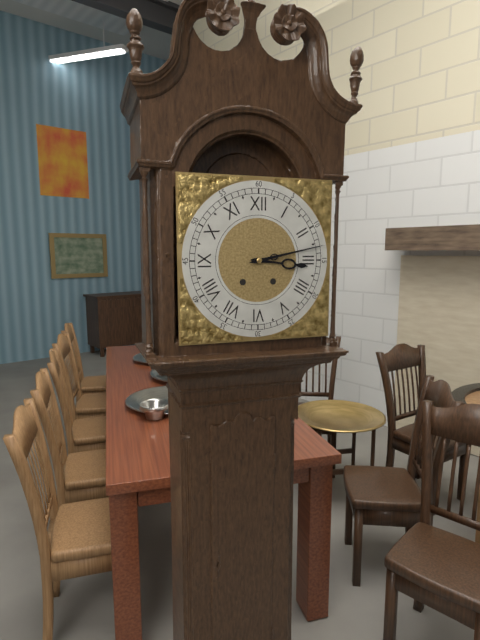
3:13
